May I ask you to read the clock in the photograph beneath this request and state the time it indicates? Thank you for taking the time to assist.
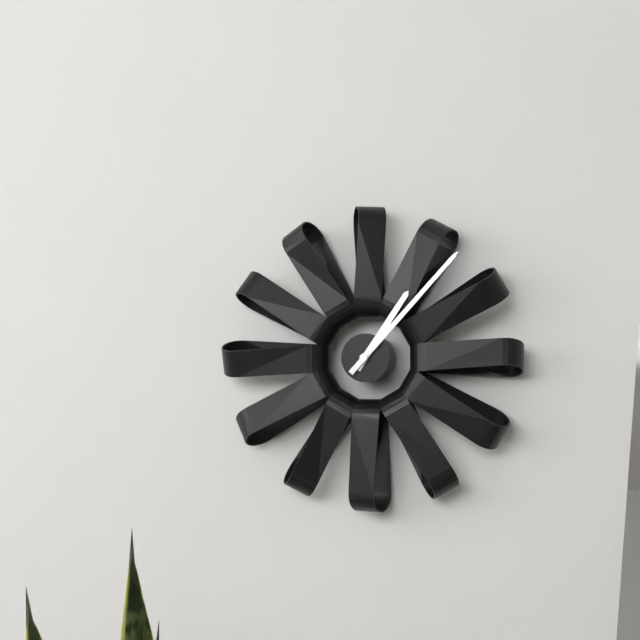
1:07
